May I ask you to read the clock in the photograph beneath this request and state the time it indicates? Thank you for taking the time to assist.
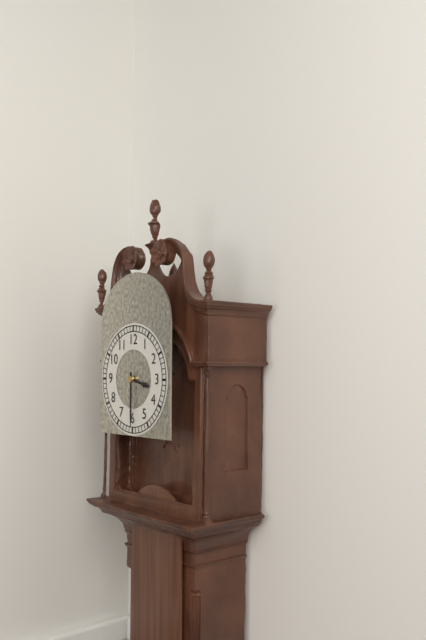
3:30
